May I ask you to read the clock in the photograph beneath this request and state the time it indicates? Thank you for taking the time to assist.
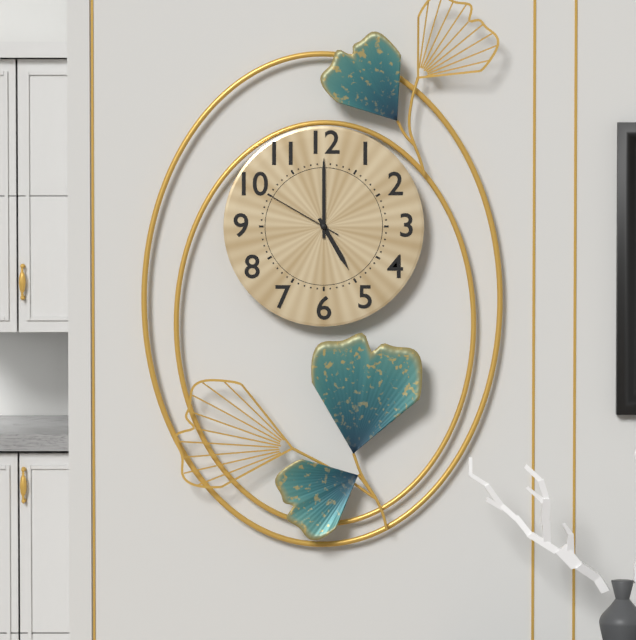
5:00:50
